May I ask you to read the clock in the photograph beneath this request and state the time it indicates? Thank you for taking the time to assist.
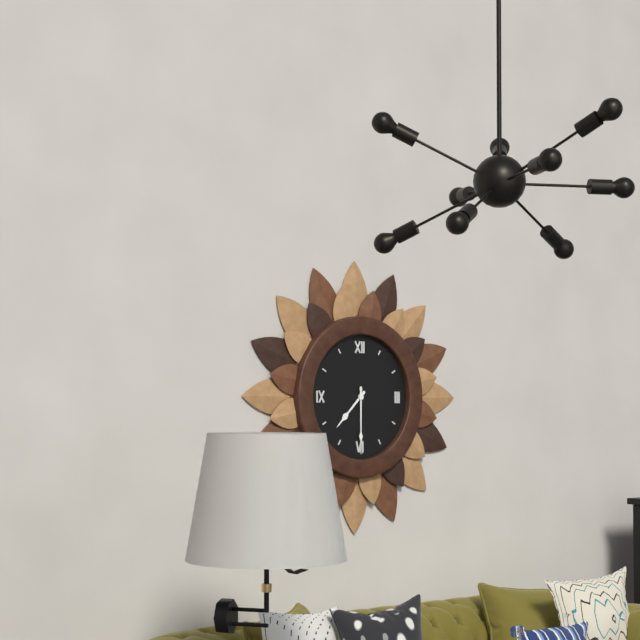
7:30
